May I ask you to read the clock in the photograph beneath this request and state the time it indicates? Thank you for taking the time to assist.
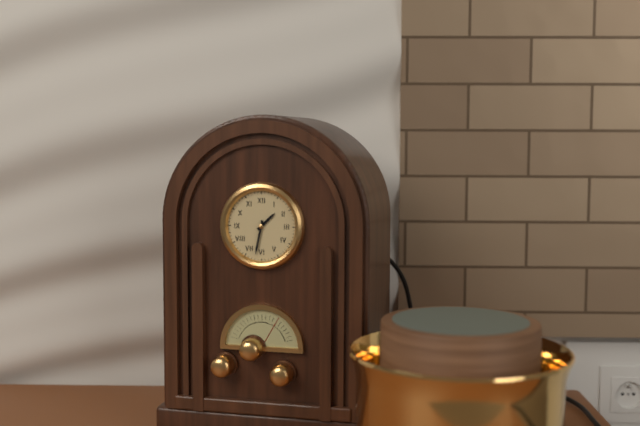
1:32
